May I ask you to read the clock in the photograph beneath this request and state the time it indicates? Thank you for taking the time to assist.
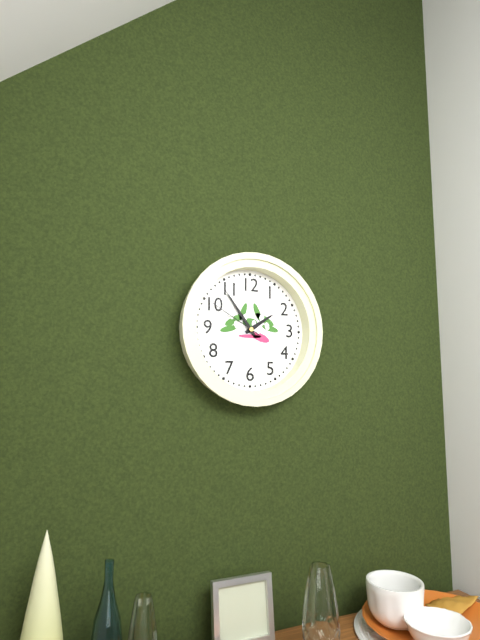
1:54:50
